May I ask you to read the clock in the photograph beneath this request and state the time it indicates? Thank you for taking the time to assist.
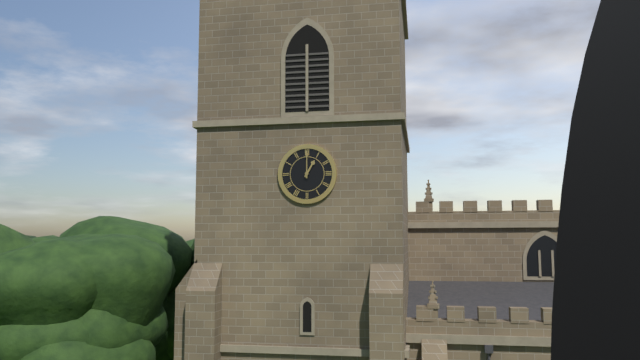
1:00
